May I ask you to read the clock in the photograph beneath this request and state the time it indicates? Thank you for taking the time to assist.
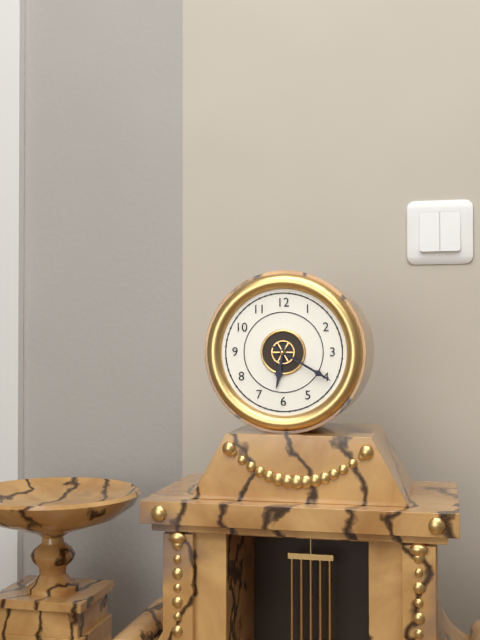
6:20
